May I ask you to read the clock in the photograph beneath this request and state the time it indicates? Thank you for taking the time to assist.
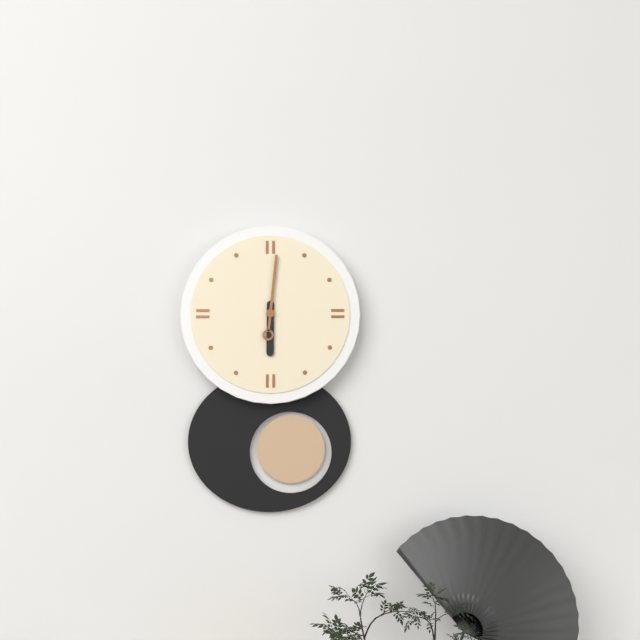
6:01
